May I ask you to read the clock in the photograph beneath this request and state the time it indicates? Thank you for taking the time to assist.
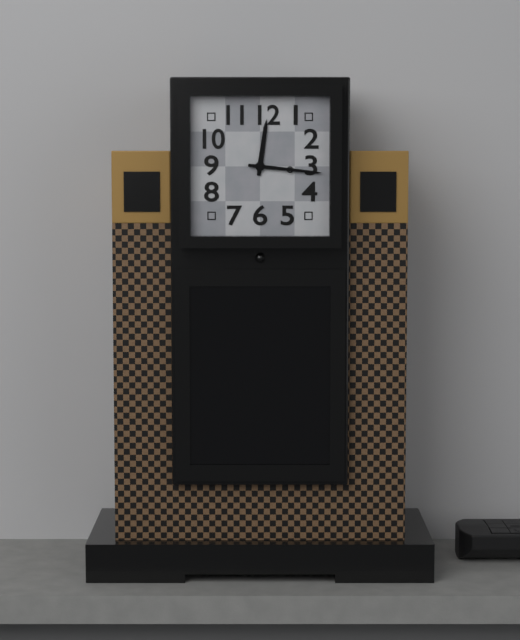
12:16
